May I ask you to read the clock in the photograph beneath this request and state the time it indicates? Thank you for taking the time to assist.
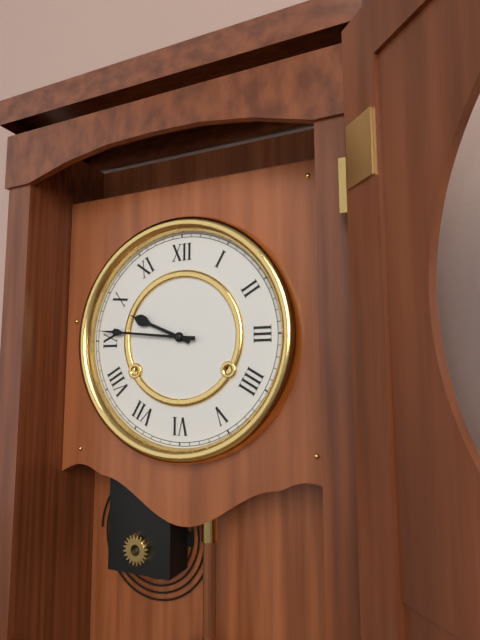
9:46
